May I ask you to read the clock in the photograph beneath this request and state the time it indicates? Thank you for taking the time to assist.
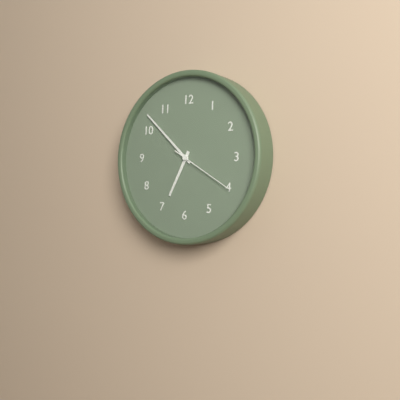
6:52:20
